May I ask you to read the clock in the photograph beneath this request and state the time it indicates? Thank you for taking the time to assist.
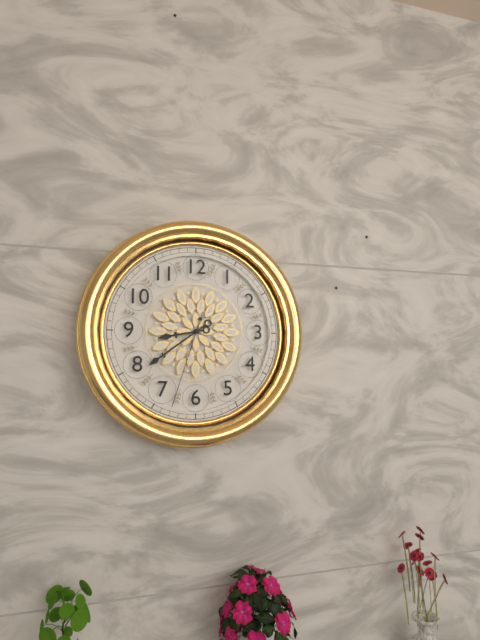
8:39:33
